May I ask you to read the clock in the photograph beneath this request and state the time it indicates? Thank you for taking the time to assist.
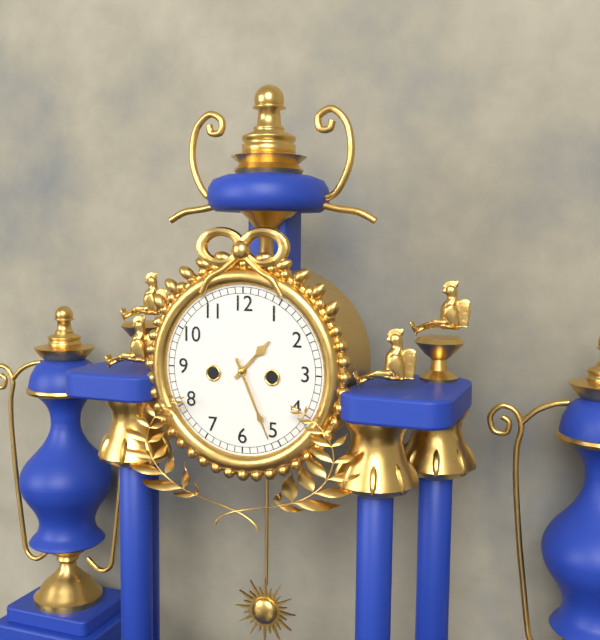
1:26
